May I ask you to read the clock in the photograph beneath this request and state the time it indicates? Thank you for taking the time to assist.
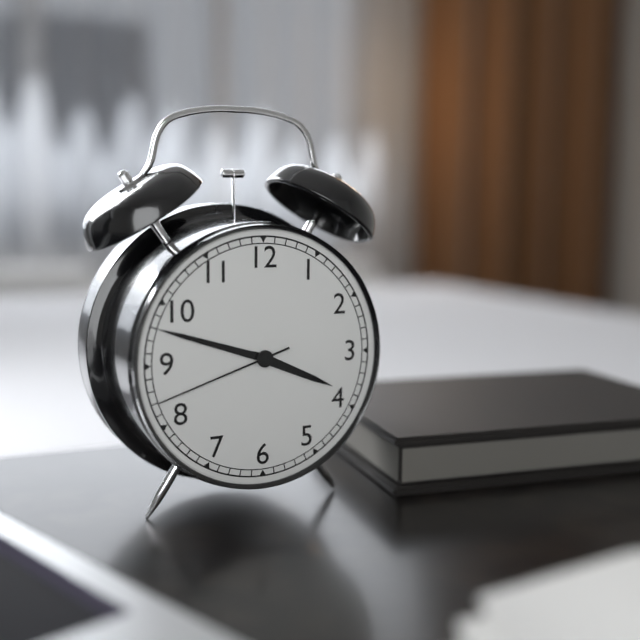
3:48:42
